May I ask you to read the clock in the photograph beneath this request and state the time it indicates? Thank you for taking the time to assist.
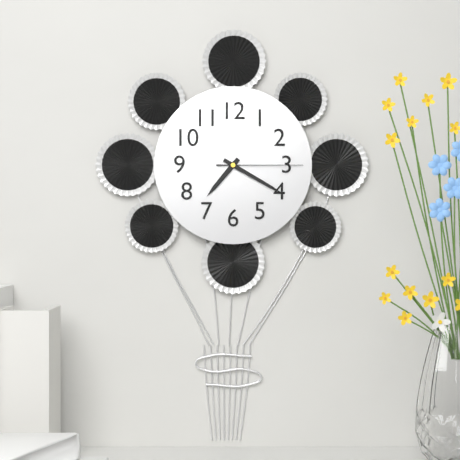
7:20:15
